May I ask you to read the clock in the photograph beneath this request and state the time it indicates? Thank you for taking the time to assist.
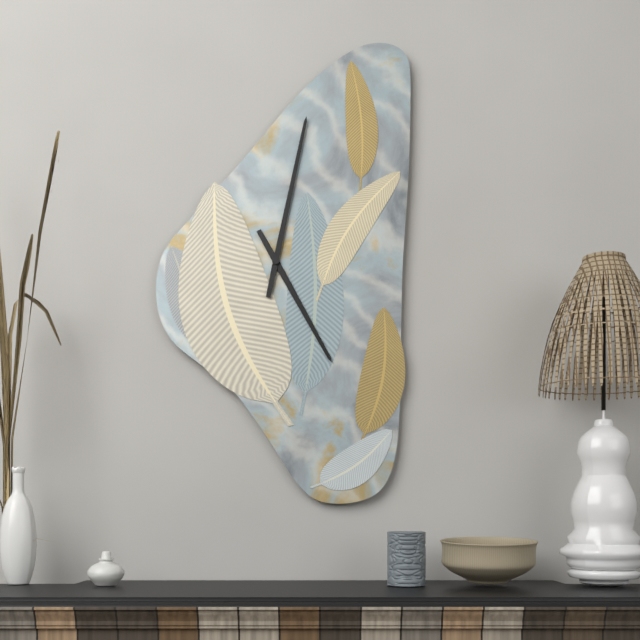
5:02
